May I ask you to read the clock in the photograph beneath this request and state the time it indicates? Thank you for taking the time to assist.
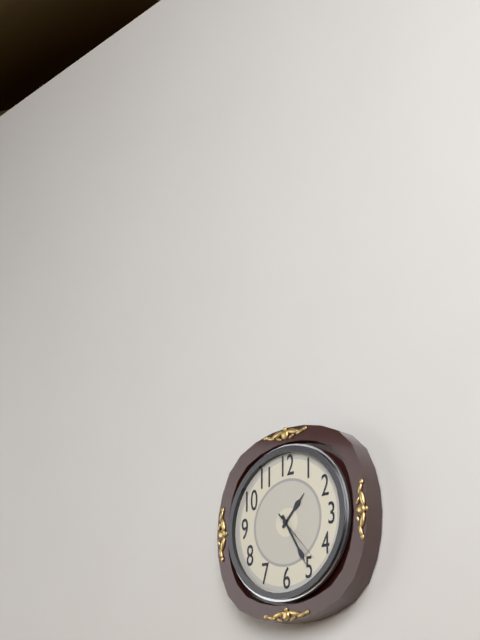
1:25:23
